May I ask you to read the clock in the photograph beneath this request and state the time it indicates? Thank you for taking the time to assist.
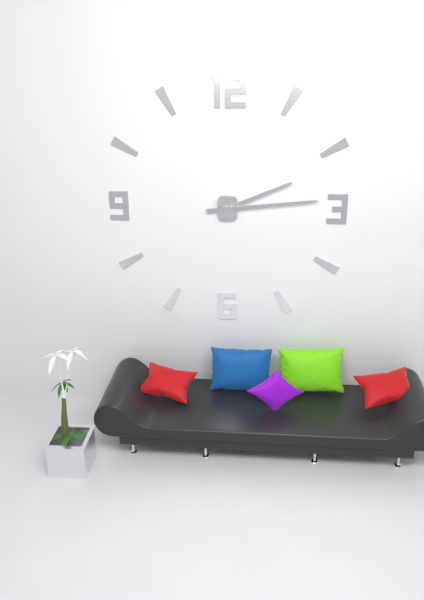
2:14
